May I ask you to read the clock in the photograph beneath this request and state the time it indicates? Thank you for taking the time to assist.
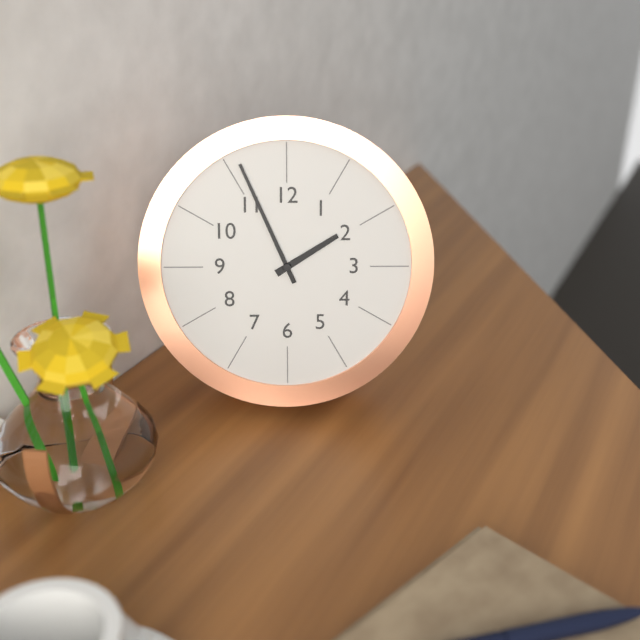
1:56
